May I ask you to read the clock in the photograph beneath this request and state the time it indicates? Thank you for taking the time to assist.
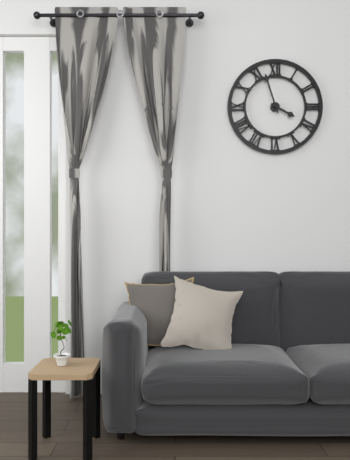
3:57
